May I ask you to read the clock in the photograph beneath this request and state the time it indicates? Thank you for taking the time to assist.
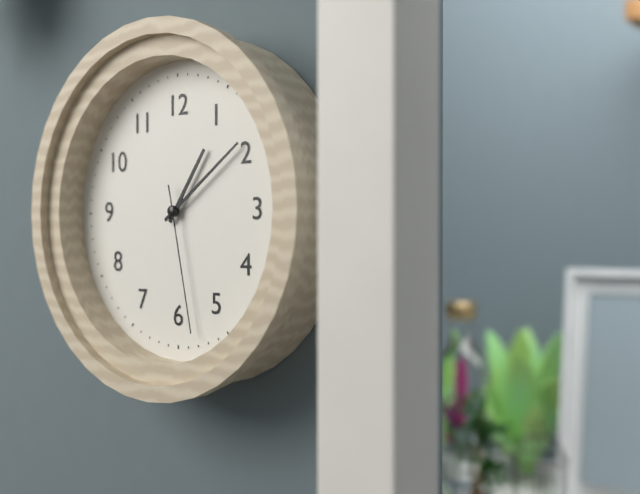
1:09:28
